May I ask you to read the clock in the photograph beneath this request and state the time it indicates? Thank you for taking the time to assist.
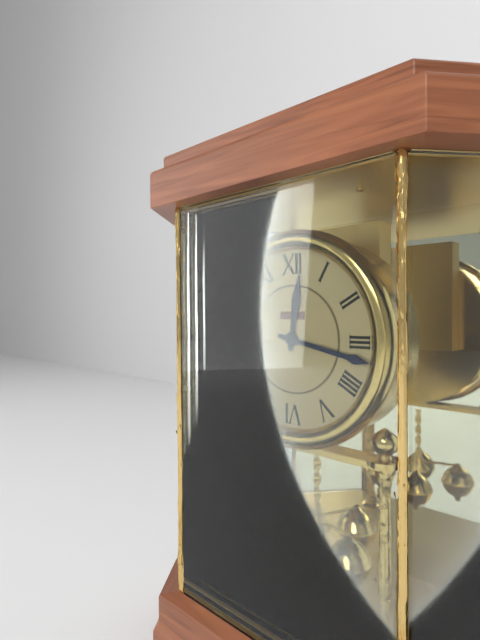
12:17
